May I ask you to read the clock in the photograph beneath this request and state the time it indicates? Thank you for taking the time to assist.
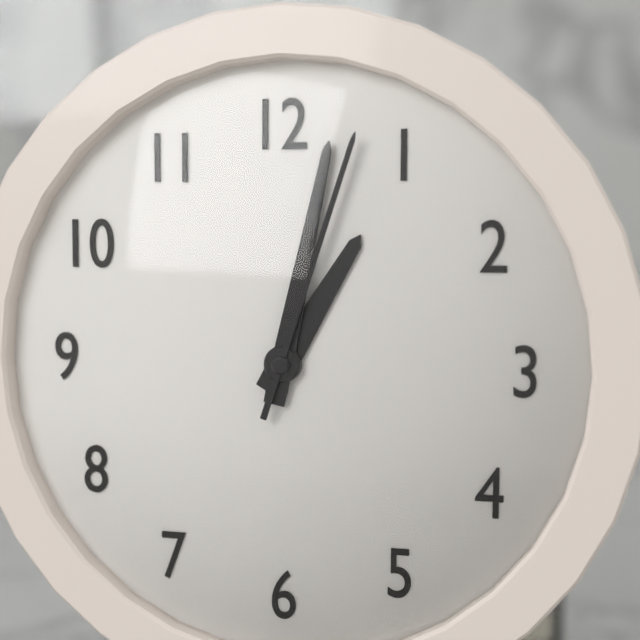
1:02:03
